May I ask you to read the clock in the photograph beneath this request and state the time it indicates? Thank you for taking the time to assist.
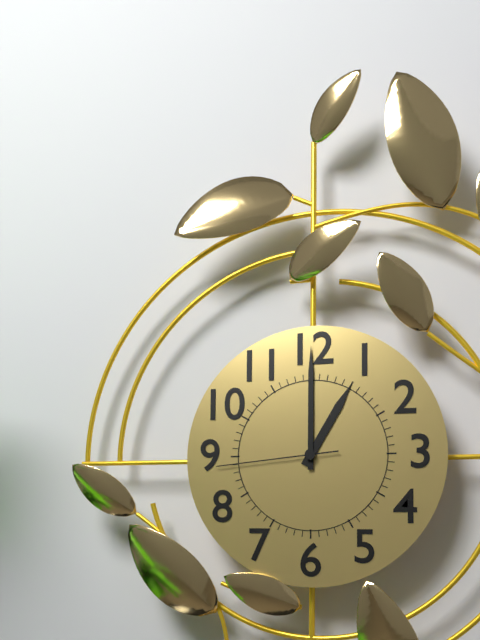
1:00:44
